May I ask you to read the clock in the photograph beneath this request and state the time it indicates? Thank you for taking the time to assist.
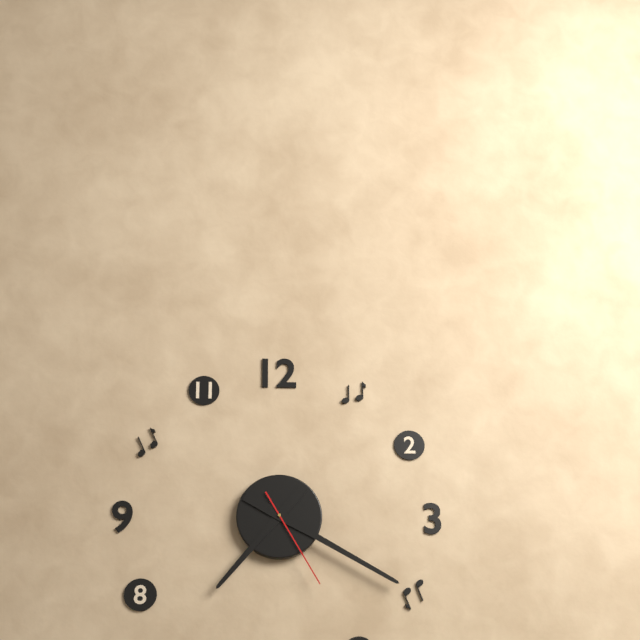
7:20:25
